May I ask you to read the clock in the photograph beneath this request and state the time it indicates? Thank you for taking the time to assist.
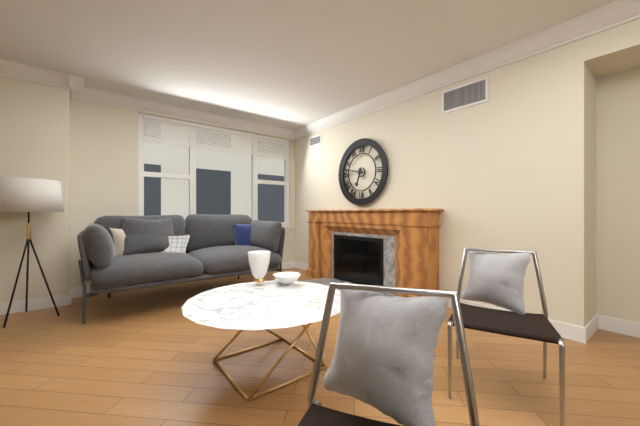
6:47
